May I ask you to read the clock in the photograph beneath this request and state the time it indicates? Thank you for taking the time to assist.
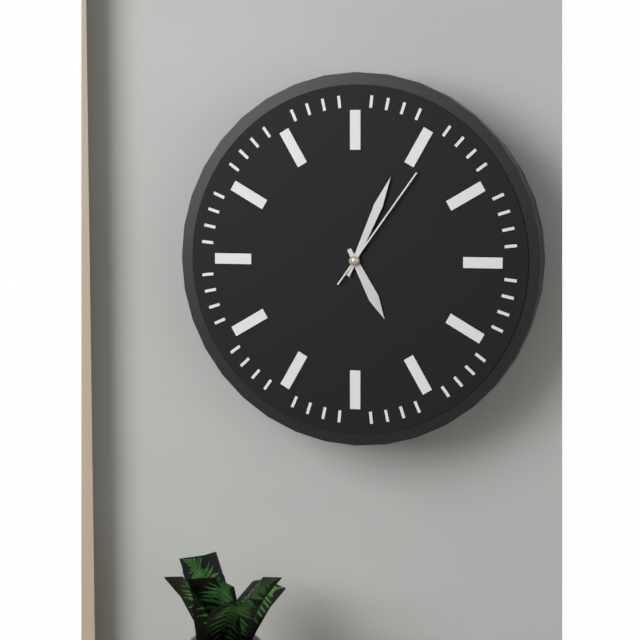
5:04:06
